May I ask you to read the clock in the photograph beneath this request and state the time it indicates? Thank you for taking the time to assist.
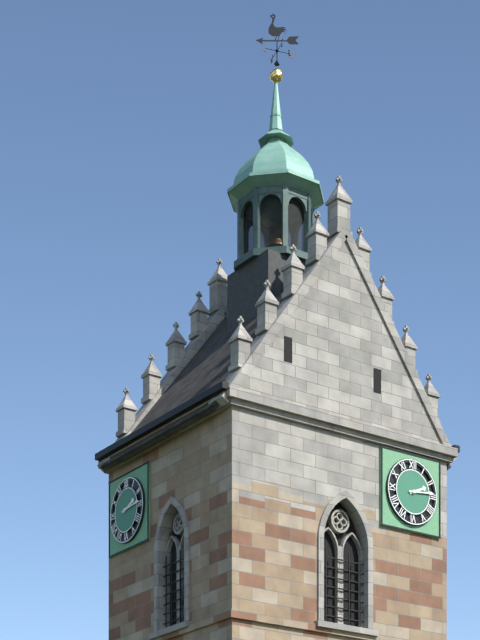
2:14
